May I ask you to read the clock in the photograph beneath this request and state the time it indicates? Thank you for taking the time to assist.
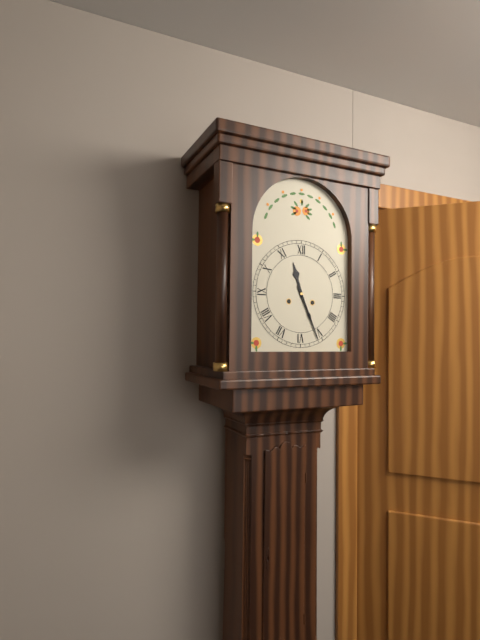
11:26
